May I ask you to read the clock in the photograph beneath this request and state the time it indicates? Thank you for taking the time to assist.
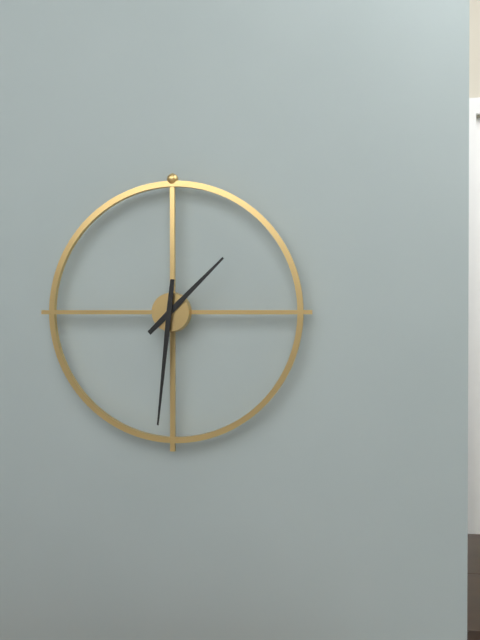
1:31
